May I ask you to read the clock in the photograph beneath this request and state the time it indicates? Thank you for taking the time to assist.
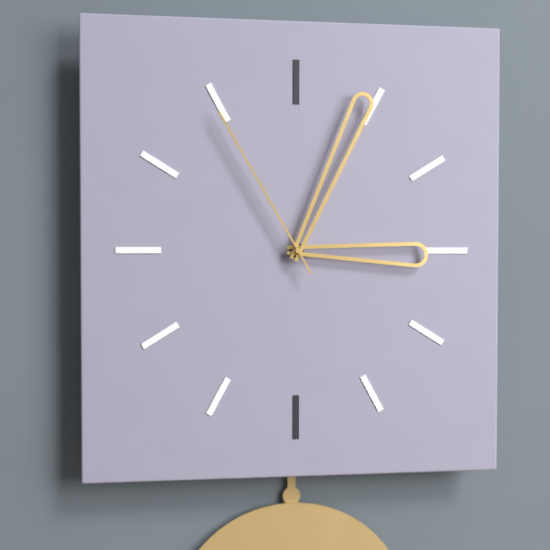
3:04:55
